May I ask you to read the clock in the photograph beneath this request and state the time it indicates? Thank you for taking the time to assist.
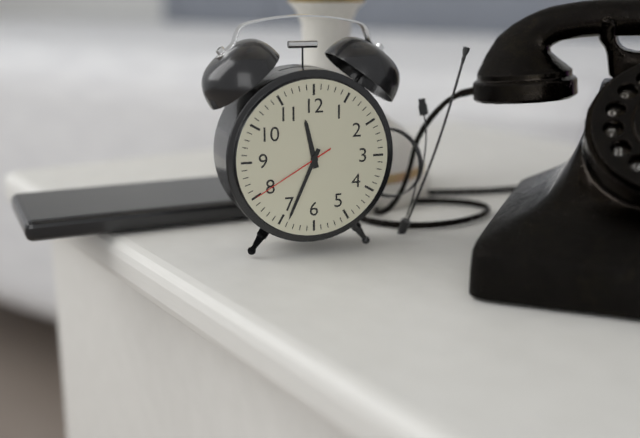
11:34:40
